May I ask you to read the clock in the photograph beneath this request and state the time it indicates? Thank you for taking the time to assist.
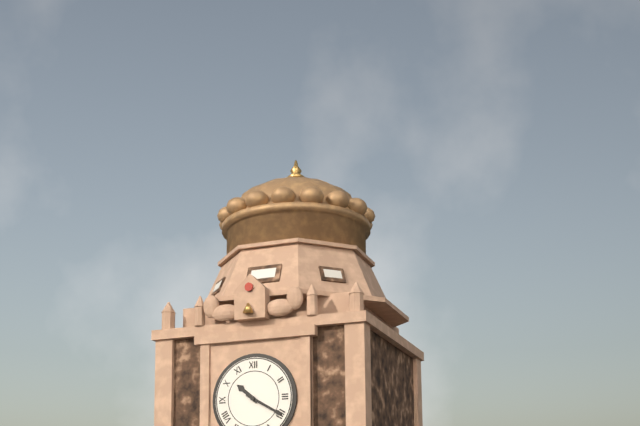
10:20
